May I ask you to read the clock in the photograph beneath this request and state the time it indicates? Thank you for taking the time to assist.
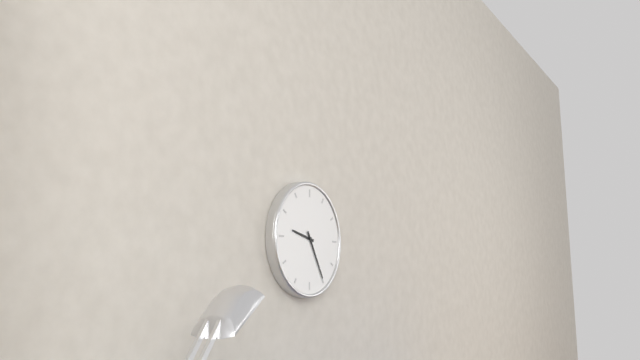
9:25
